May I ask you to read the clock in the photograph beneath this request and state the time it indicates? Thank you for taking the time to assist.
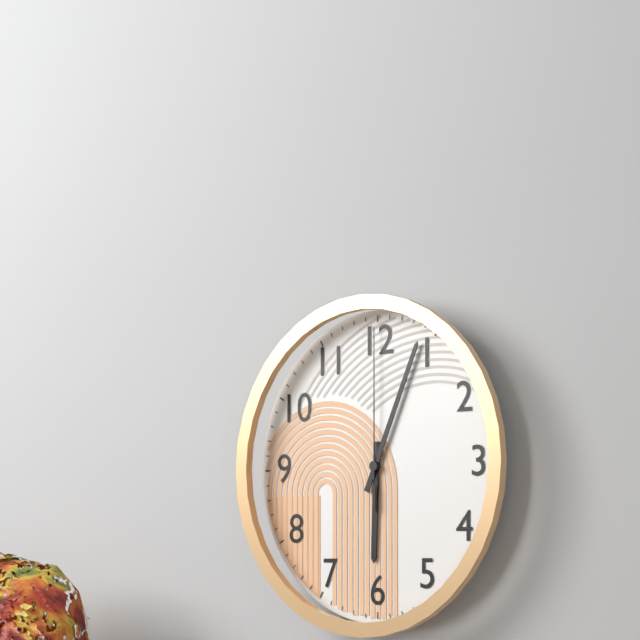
6:04:00
